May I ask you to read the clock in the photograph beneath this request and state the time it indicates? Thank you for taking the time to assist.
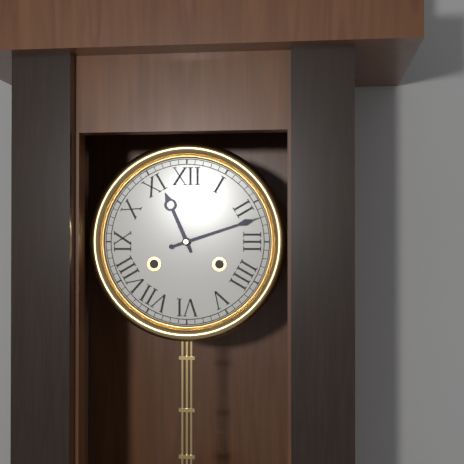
11:12
